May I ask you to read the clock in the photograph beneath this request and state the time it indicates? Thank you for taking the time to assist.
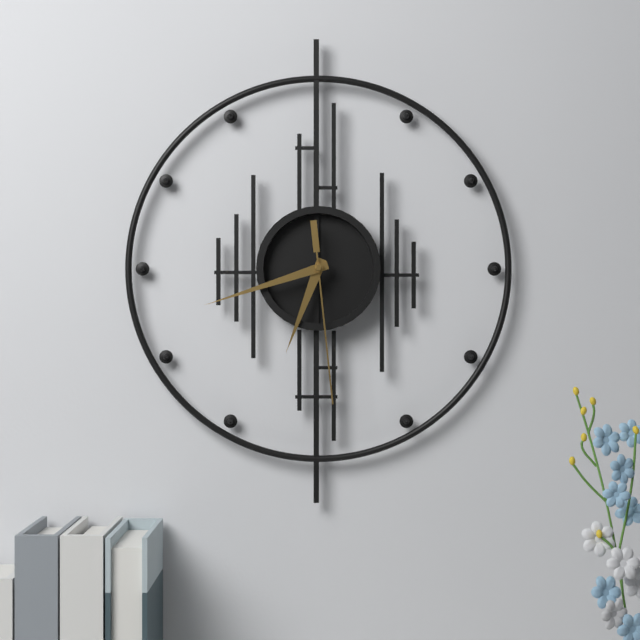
6:42:29
